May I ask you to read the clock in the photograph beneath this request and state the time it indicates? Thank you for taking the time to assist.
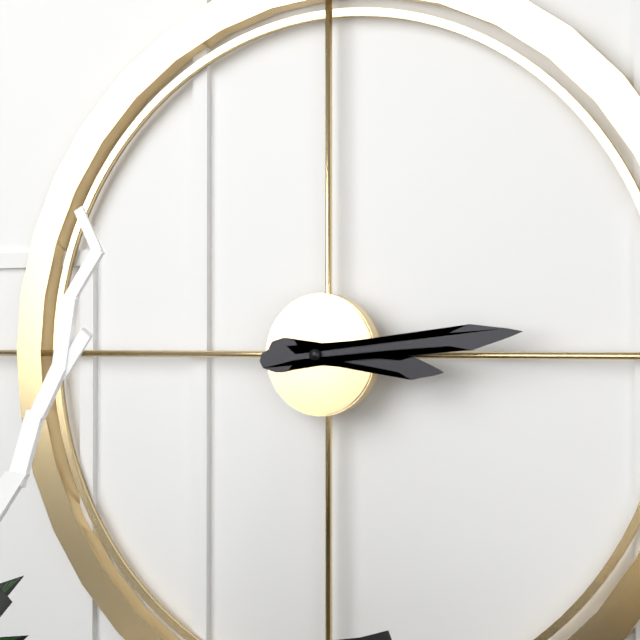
3:14
